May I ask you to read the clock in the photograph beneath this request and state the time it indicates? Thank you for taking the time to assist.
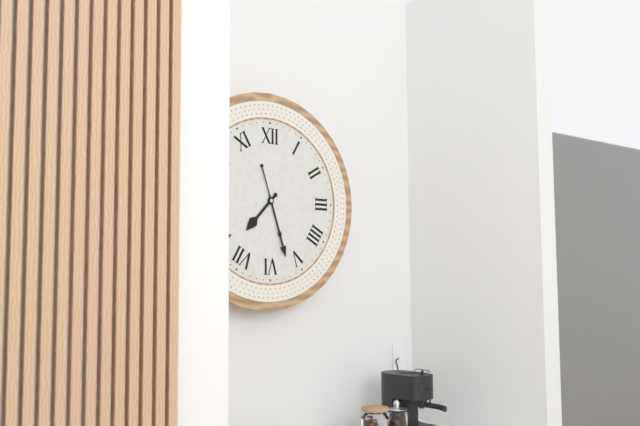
7:27
